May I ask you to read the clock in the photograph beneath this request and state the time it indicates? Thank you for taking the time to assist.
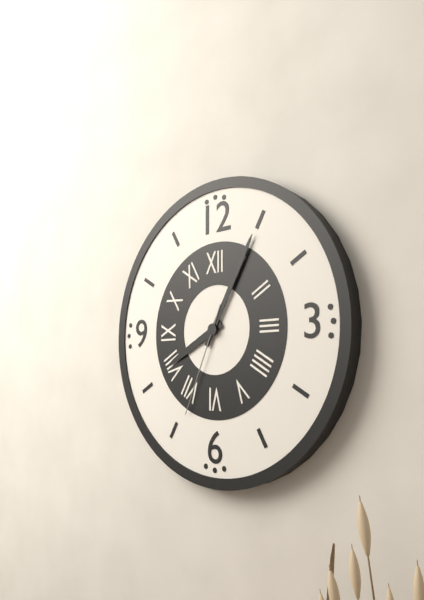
8:05:34
